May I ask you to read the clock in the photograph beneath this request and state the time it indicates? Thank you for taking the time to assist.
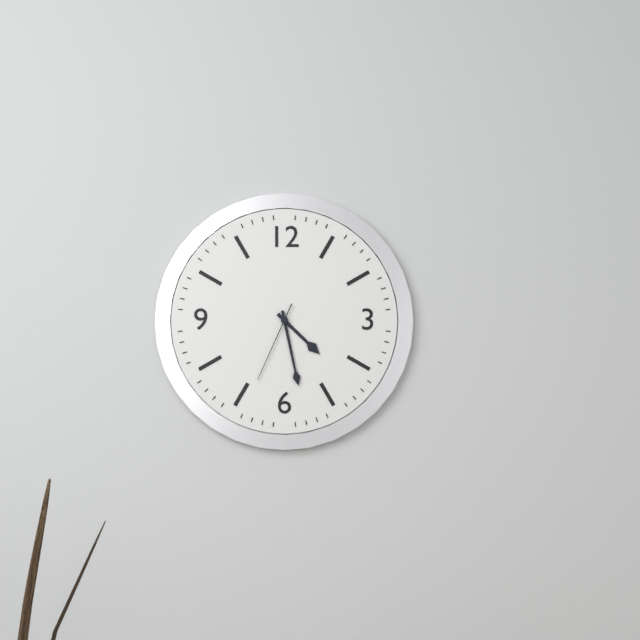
4:28:34
